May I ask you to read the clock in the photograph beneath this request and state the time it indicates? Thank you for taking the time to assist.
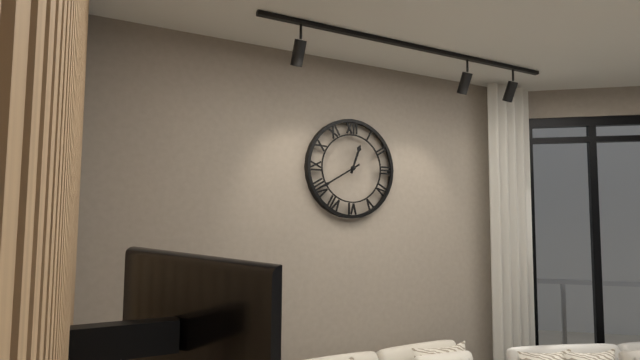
12:40
